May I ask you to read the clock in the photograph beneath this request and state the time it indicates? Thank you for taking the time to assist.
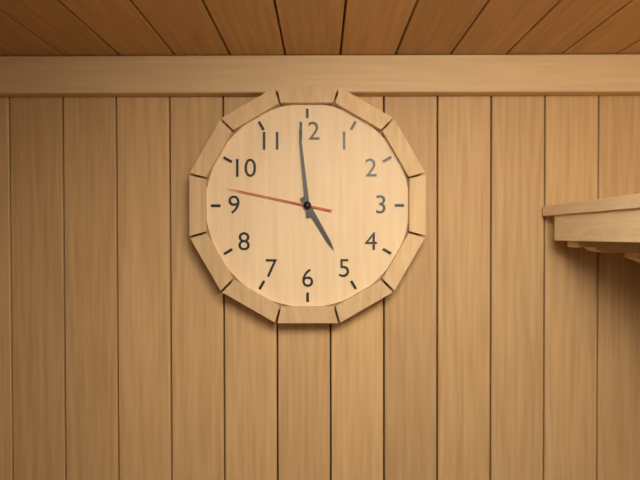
4:59:47
